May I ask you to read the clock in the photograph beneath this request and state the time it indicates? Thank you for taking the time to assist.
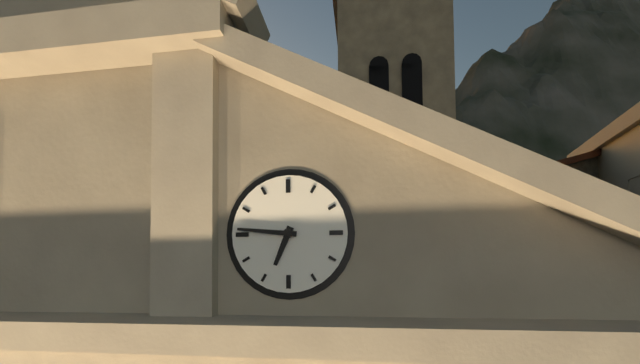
6:46
